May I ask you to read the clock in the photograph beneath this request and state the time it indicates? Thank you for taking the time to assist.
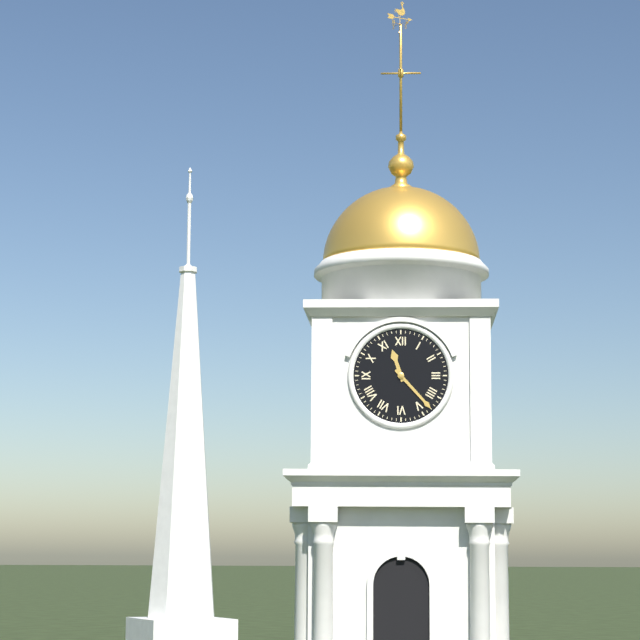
11:23
